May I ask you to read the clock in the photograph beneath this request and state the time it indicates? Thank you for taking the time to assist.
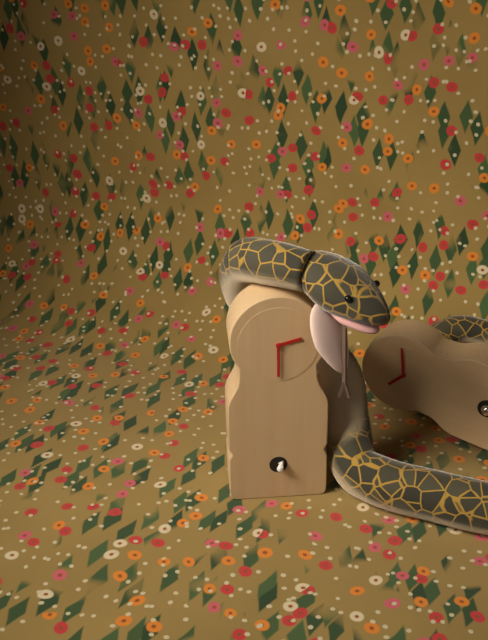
2:30
